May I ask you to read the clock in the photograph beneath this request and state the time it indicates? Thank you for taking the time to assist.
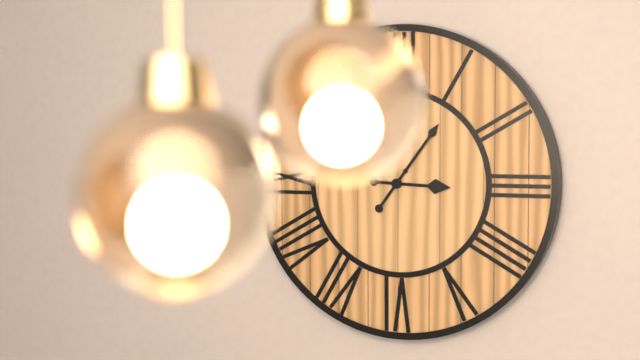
3:06
